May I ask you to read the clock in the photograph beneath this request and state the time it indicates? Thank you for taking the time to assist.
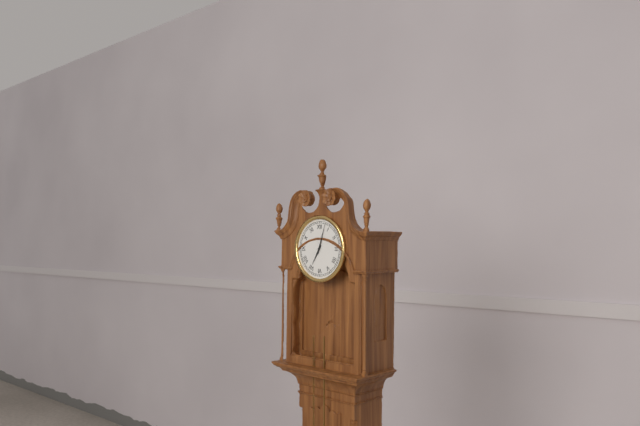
7:03
